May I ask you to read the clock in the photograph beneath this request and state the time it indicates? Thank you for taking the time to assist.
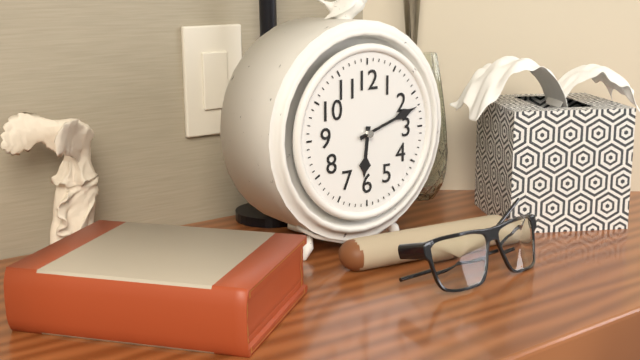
6:12
